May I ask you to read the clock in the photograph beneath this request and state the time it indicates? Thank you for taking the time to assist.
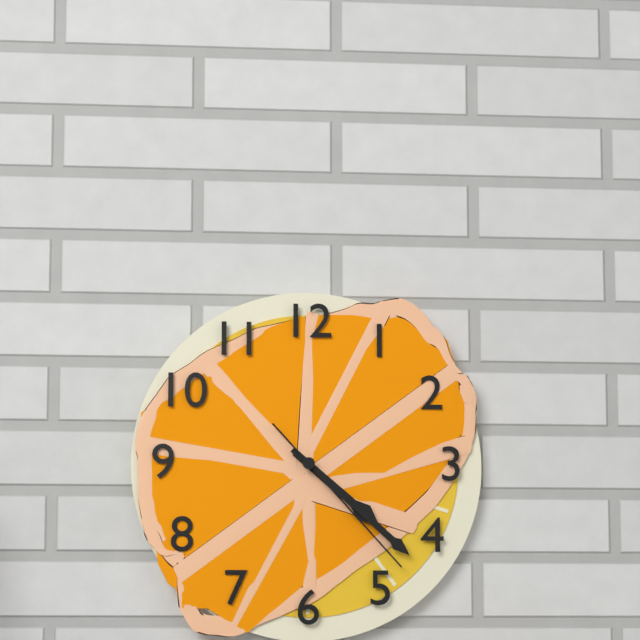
4:22:23
